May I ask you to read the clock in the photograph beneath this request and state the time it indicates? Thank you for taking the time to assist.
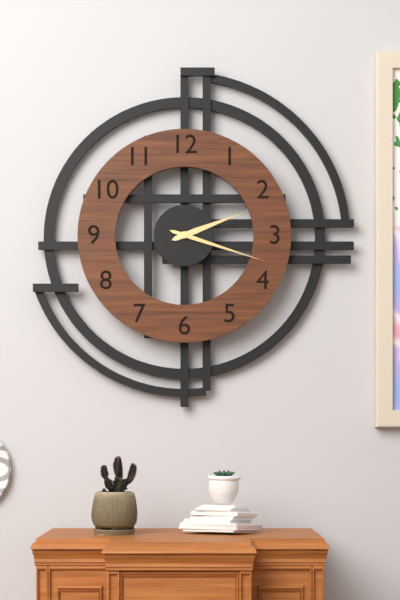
2:18
